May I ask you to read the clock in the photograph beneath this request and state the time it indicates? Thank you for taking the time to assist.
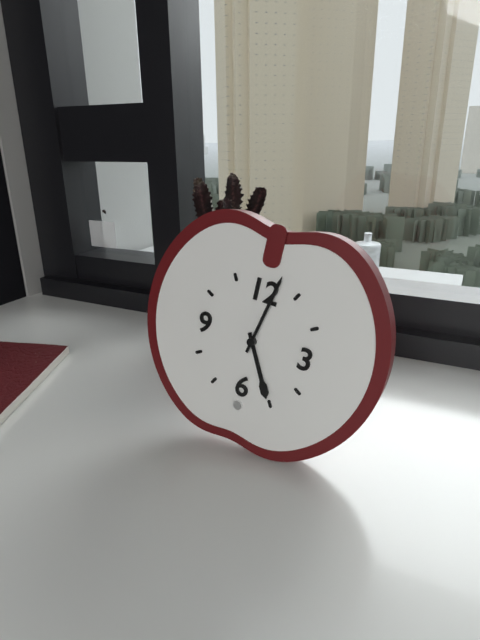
5:02
